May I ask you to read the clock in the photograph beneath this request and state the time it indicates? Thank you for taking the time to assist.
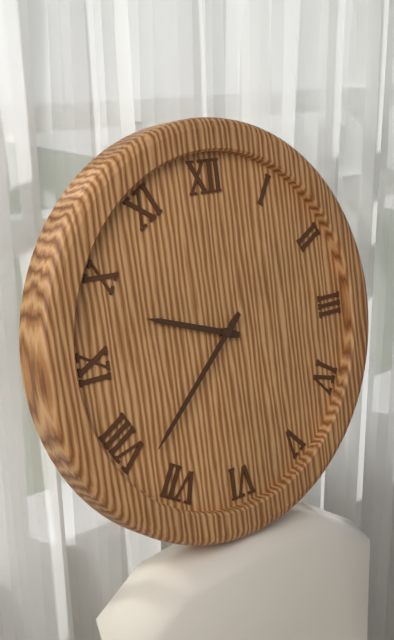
9:38
